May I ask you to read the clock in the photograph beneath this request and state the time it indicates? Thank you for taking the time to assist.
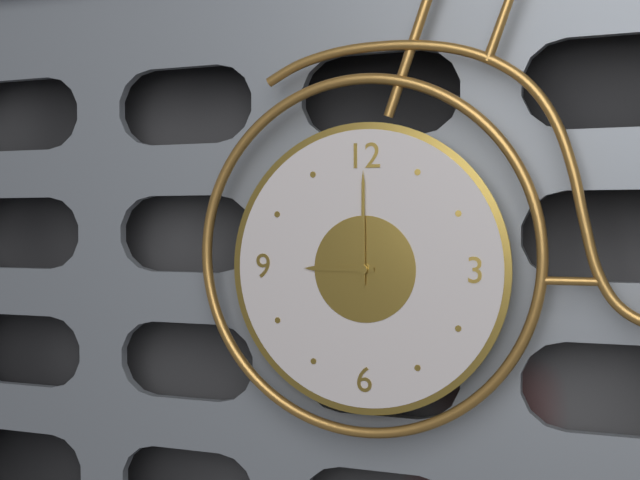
9:00
